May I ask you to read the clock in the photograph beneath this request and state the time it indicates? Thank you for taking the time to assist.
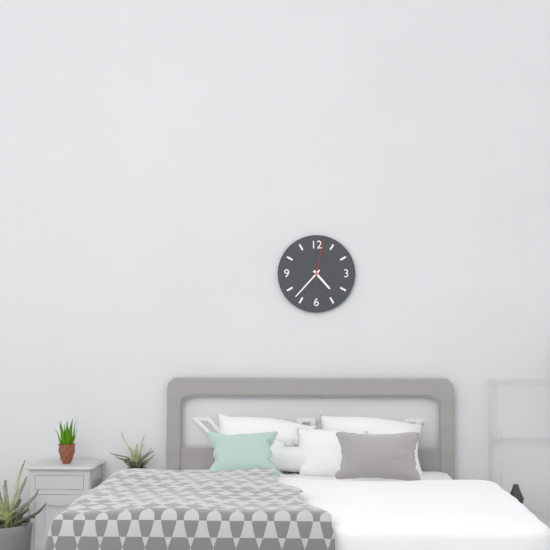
4:37
